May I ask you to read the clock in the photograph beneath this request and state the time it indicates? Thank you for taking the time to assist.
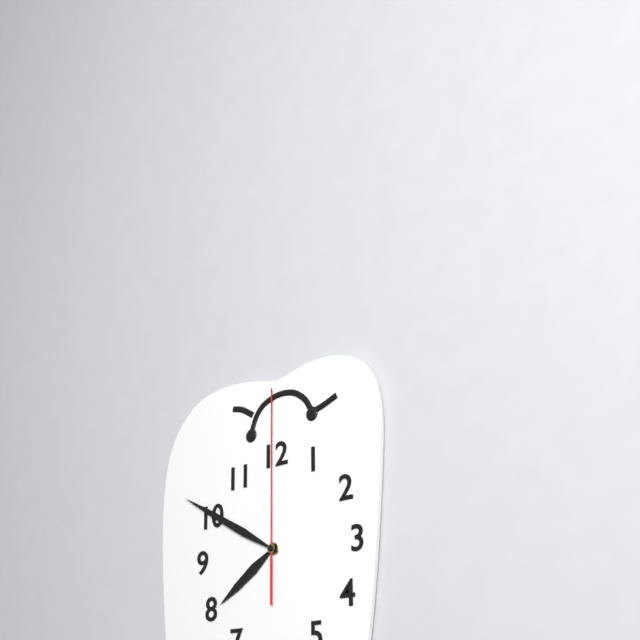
7:50:00
